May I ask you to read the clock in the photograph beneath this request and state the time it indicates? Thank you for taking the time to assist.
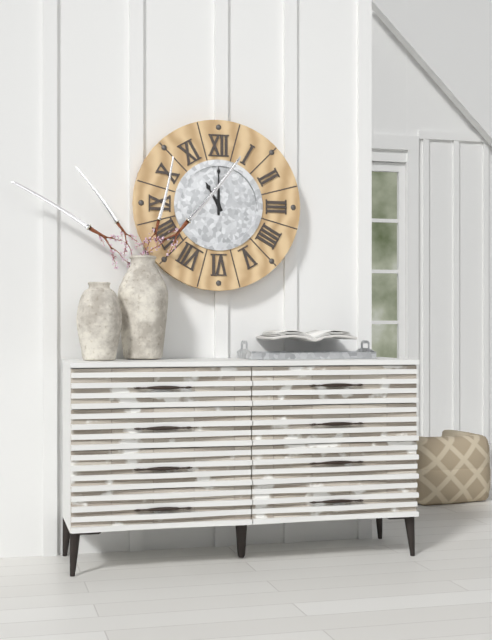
11:00
